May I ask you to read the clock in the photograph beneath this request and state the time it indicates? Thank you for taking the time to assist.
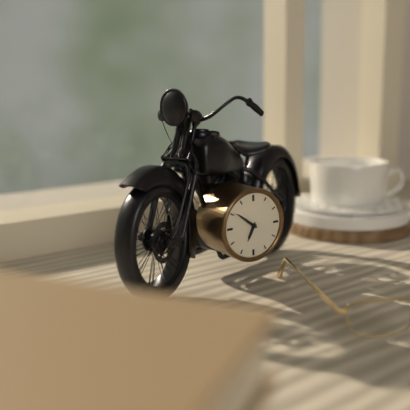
6:51
